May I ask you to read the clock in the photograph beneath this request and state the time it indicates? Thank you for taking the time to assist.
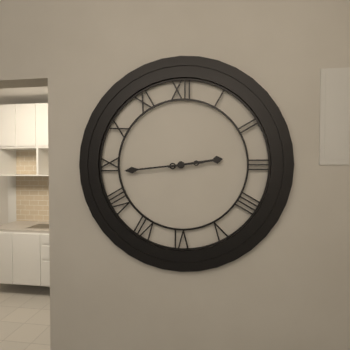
2:44
